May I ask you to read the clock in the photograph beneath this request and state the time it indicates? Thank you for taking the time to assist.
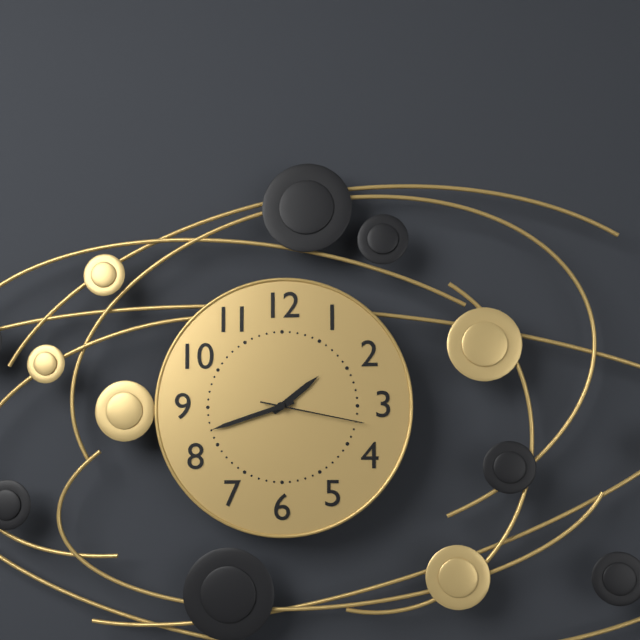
1:42:17
